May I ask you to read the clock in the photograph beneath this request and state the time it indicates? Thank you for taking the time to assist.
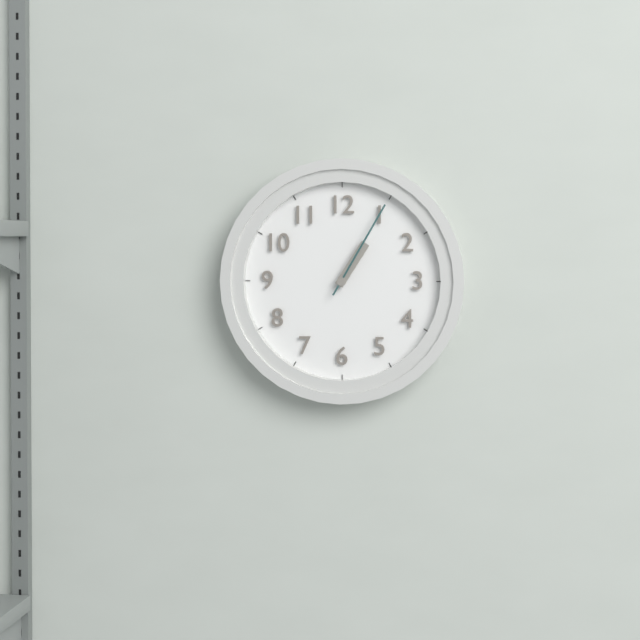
1:05
